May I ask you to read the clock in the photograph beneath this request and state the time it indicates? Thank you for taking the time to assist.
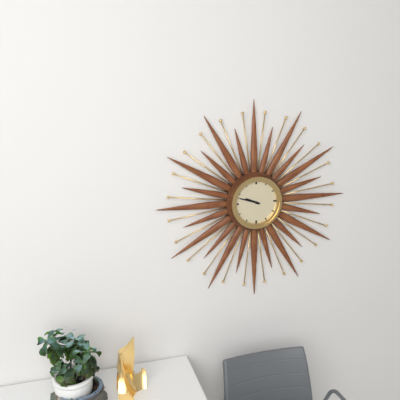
9:48
